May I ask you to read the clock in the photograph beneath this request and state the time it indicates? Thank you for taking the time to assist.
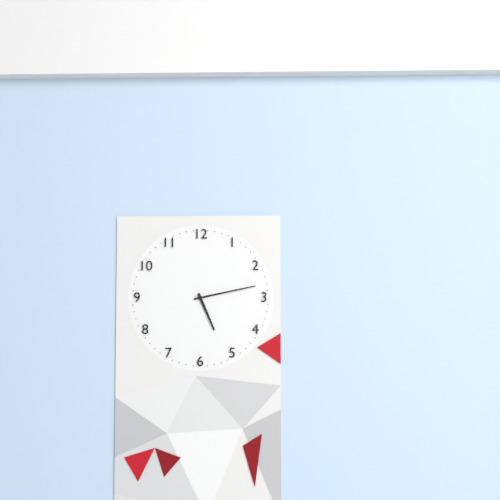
5:13
